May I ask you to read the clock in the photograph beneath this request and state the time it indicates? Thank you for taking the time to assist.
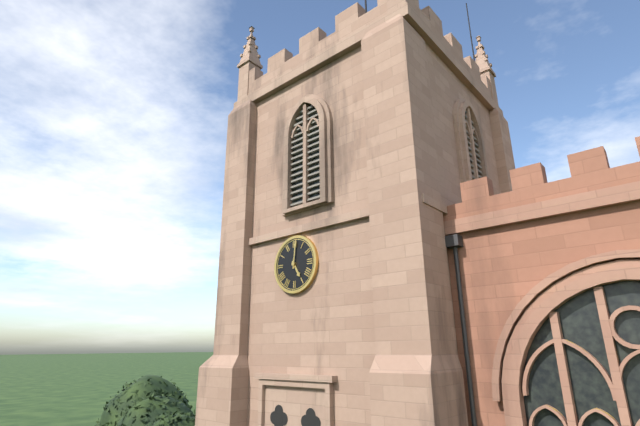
5:01
